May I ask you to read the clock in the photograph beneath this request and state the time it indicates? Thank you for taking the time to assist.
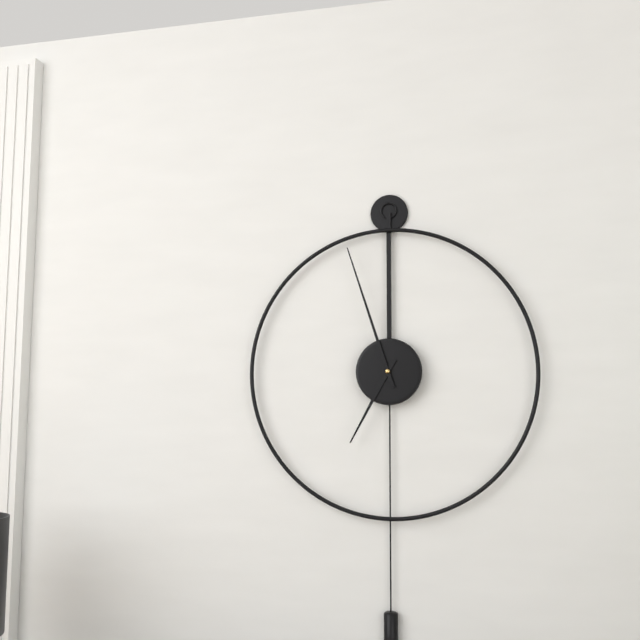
6:57
